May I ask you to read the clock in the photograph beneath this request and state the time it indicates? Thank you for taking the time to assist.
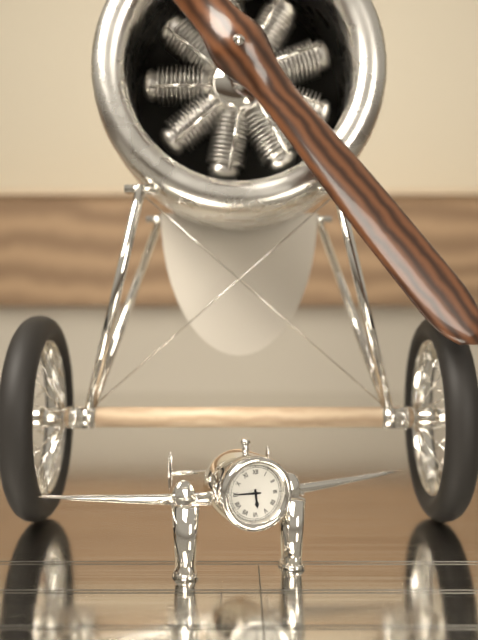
5:45
